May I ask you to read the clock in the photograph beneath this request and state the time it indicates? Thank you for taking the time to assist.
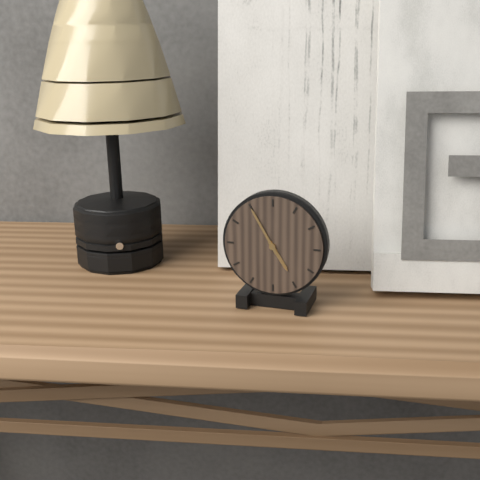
4:55
